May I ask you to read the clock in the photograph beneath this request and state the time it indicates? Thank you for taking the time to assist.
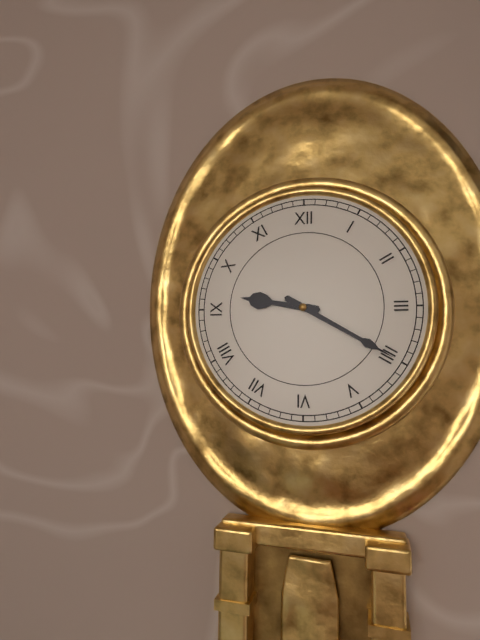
9:20
